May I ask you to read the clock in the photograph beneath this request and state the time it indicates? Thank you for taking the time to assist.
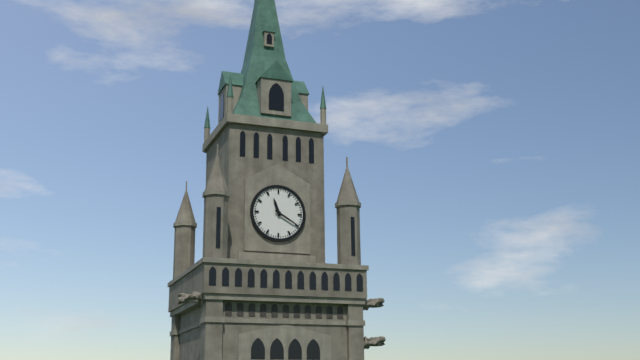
11:20
